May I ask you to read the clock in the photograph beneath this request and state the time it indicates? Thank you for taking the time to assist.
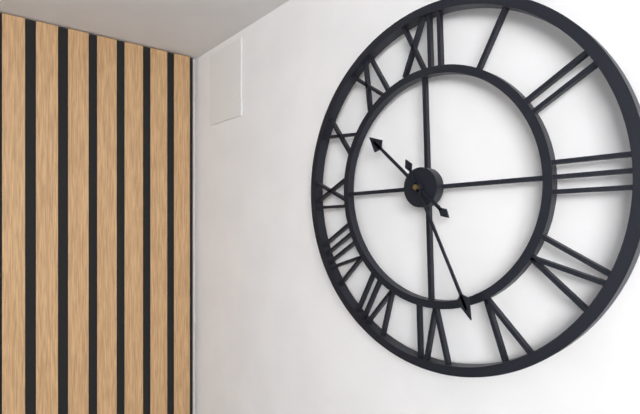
10:26
